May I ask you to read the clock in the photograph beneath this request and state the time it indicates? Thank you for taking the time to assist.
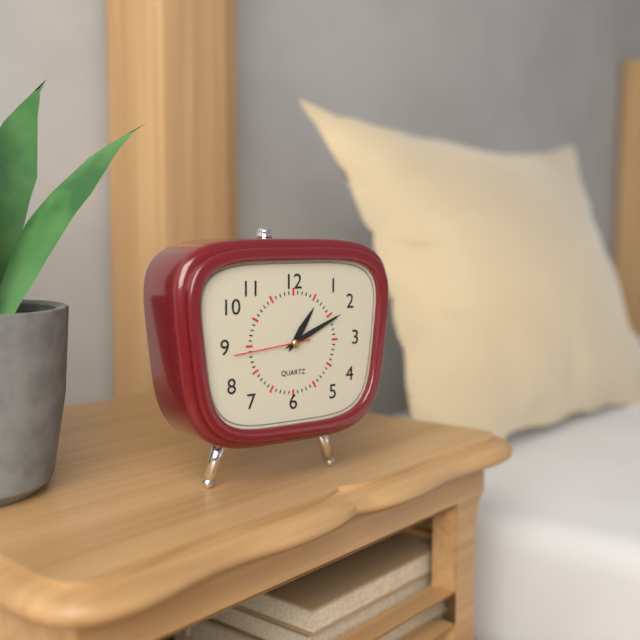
1:11:44
